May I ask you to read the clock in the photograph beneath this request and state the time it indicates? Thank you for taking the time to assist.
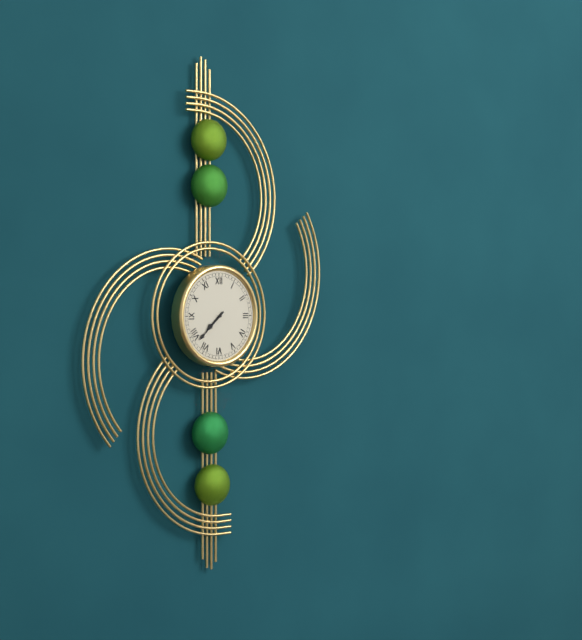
7:38
